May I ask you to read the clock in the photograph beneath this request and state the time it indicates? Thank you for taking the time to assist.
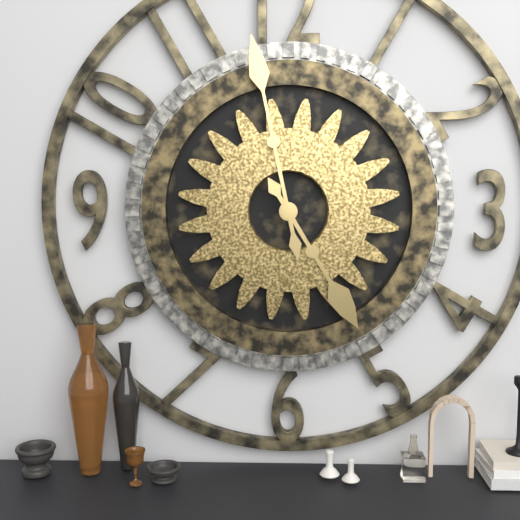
4:58
